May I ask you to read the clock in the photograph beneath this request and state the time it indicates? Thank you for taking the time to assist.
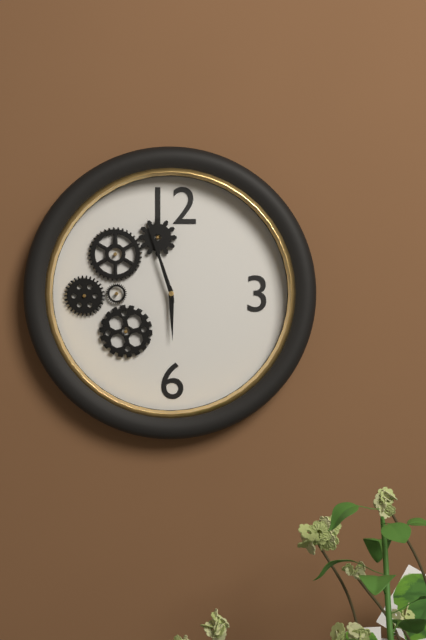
5:57
